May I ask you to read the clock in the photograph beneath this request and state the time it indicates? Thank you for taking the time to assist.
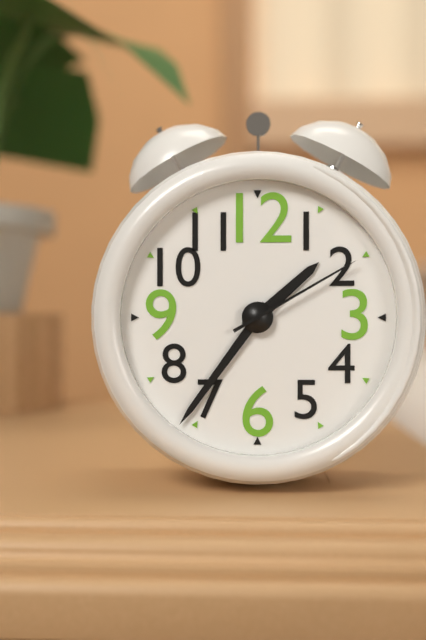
1:36:10
